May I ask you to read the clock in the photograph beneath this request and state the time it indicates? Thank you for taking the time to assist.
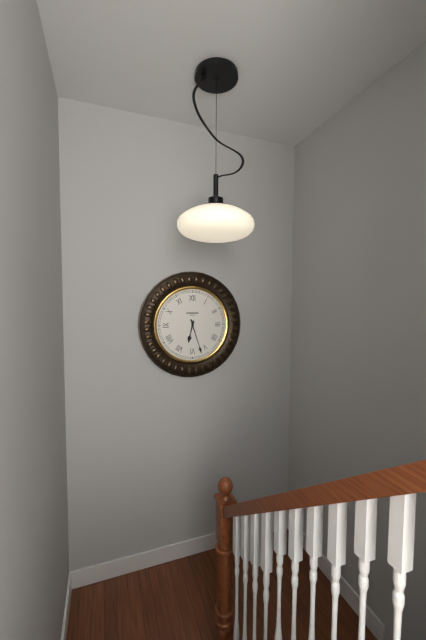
6:27
